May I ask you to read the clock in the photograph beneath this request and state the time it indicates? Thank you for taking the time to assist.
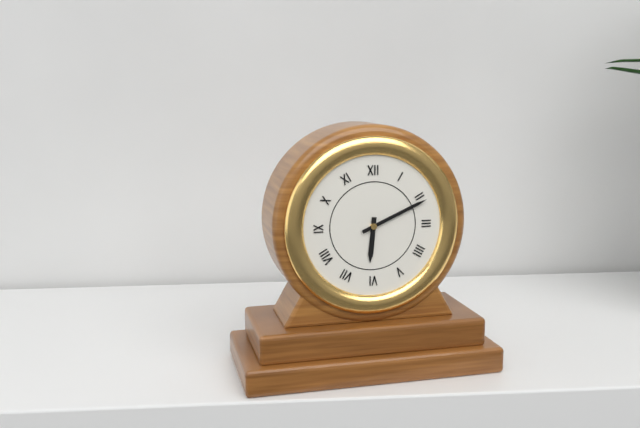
6:11
